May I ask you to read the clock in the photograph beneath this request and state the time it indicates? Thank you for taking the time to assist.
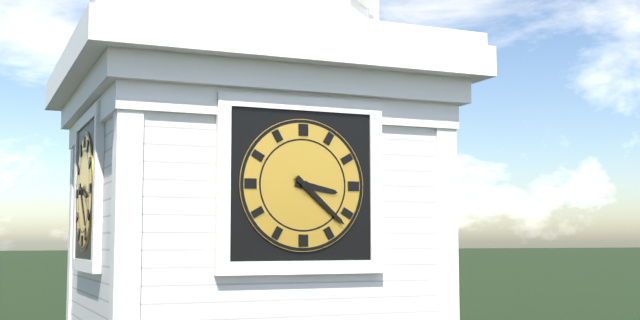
3:22
